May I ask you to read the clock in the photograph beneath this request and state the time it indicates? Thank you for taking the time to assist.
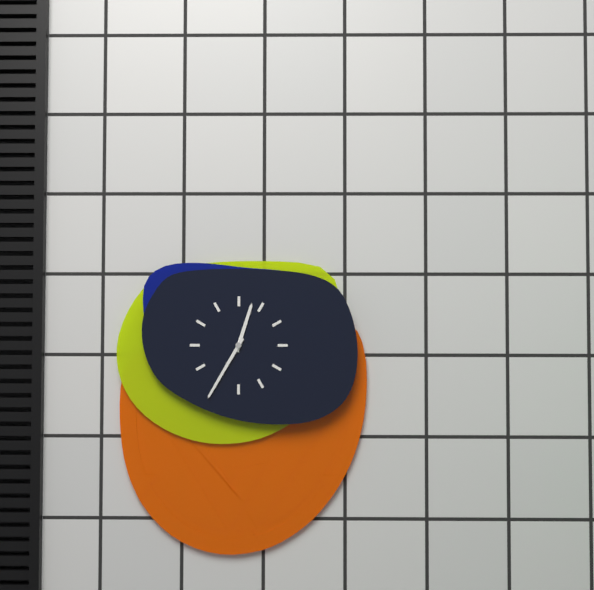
12:35
